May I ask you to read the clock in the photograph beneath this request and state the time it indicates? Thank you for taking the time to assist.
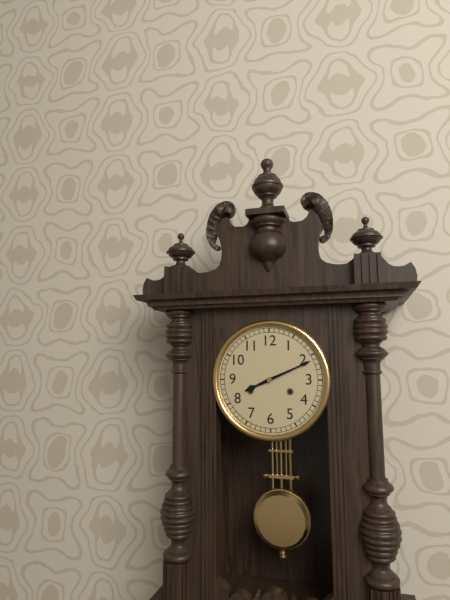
8:11
